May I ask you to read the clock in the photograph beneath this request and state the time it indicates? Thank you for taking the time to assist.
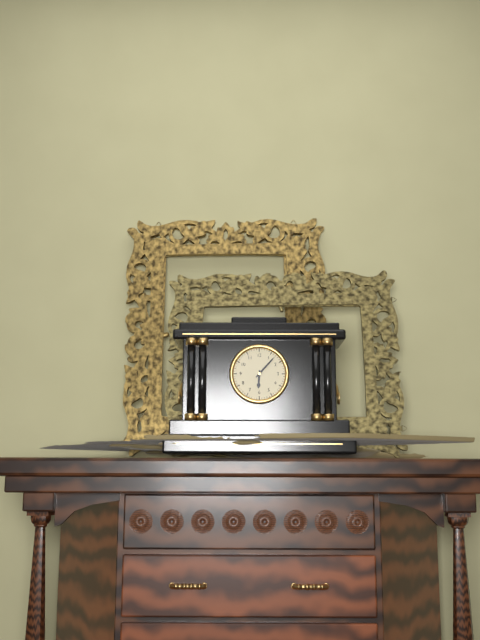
6:07
